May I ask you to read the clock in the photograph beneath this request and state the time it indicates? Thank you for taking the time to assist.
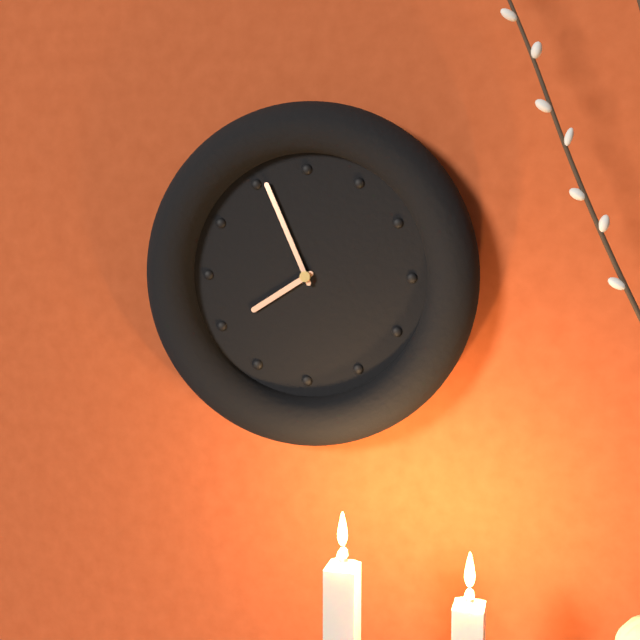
7:56
